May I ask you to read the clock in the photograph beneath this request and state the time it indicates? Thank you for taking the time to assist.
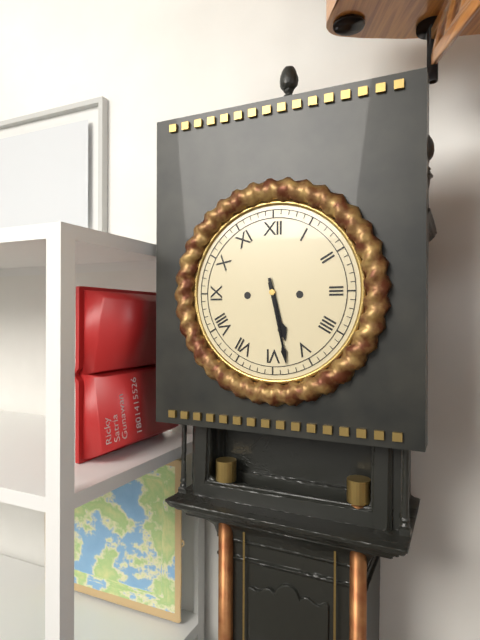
5:28
